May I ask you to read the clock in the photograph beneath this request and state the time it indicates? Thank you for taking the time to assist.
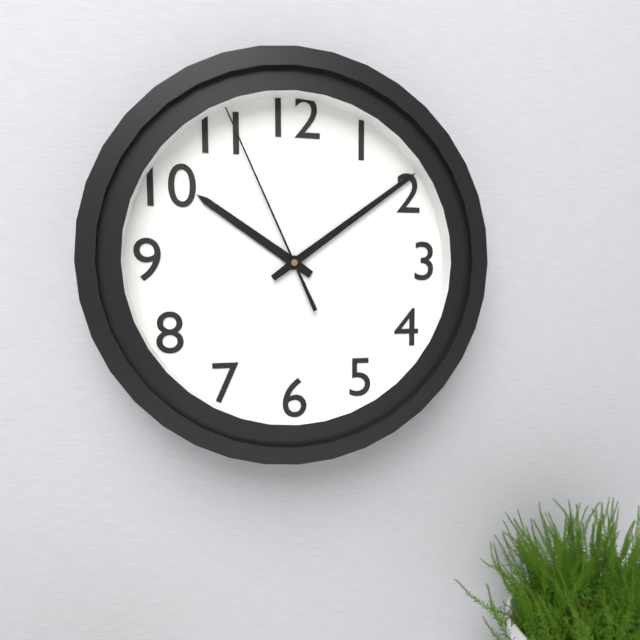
10:09:56
